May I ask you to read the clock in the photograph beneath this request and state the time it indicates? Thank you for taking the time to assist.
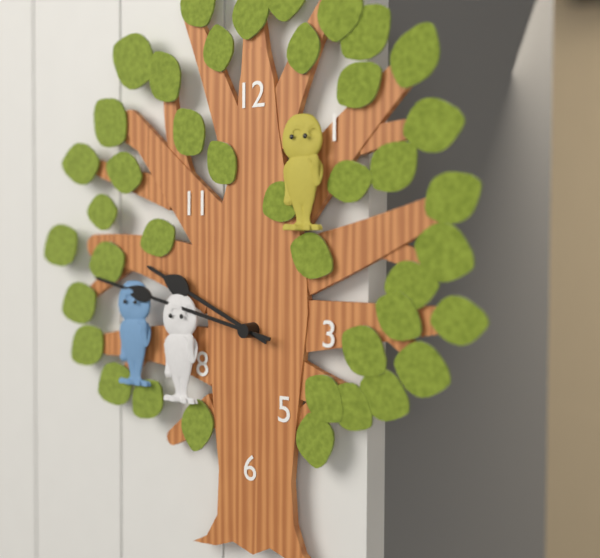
9:47
